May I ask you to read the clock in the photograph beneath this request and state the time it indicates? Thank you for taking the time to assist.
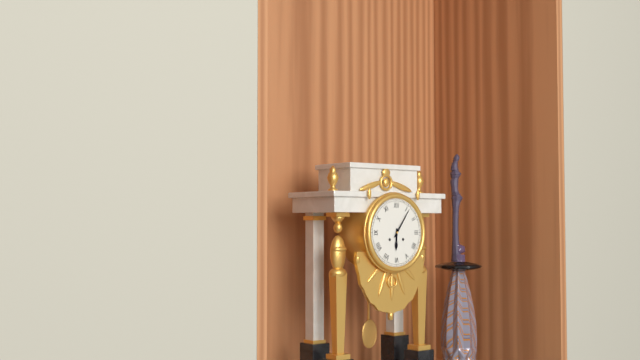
6:06
